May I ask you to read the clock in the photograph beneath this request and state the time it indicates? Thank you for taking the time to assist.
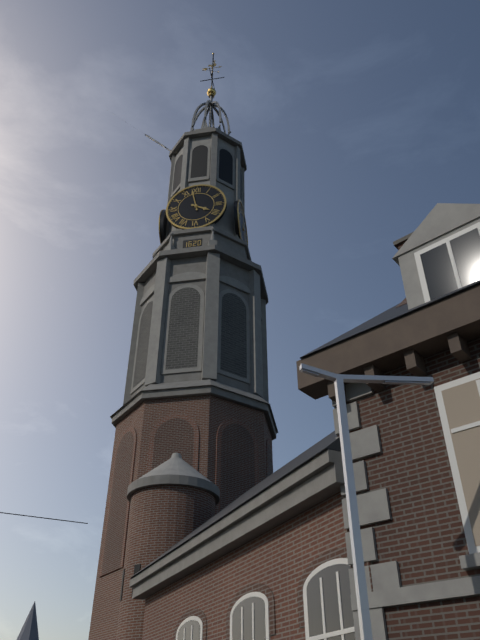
3:58
